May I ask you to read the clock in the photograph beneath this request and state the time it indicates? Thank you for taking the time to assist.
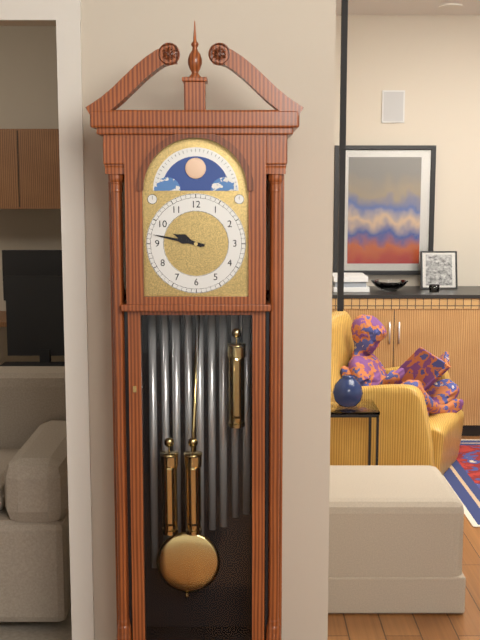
9:47
